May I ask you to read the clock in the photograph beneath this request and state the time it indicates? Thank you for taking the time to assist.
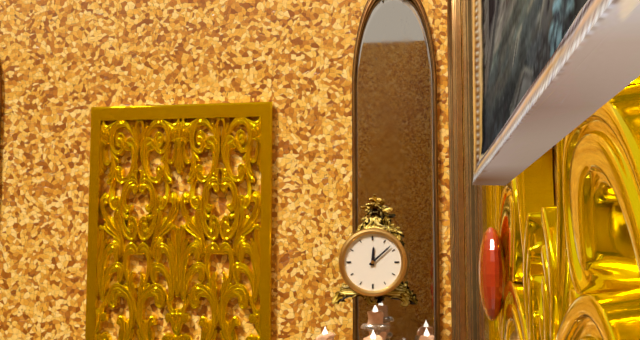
12:08
